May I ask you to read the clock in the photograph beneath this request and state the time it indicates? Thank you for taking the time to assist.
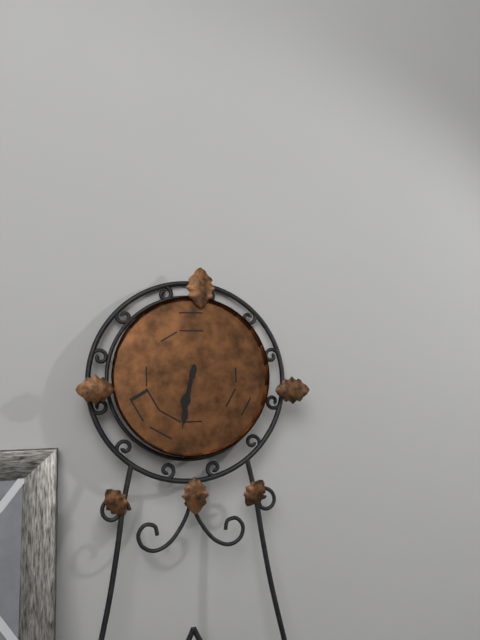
6:32
